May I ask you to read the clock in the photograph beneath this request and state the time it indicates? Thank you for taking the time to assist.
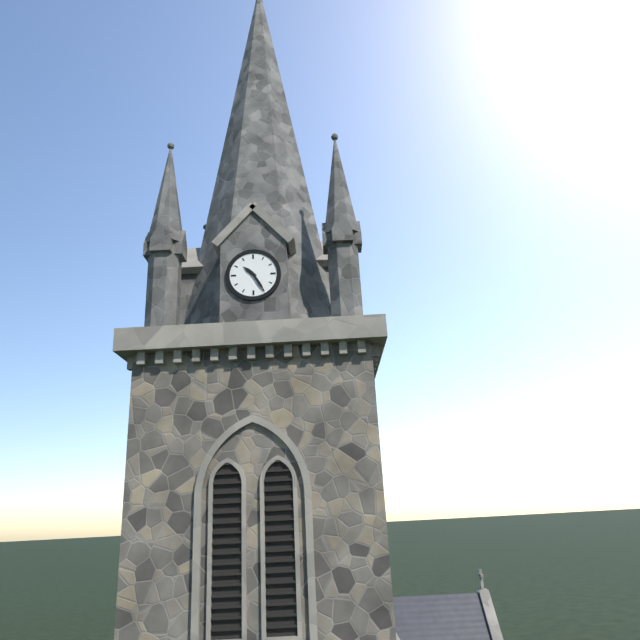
10:25
